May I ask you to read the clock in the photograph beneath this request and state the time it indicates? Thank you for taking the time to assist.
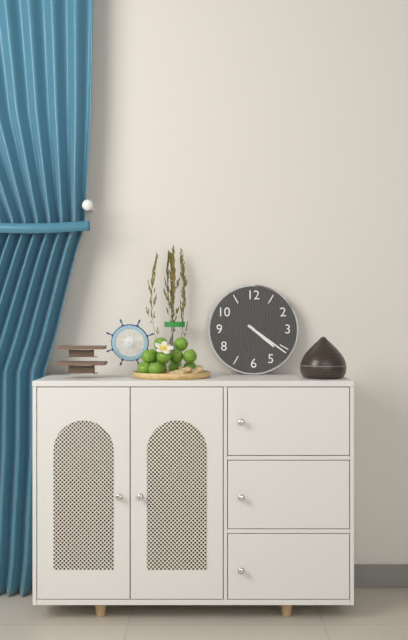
4:21
